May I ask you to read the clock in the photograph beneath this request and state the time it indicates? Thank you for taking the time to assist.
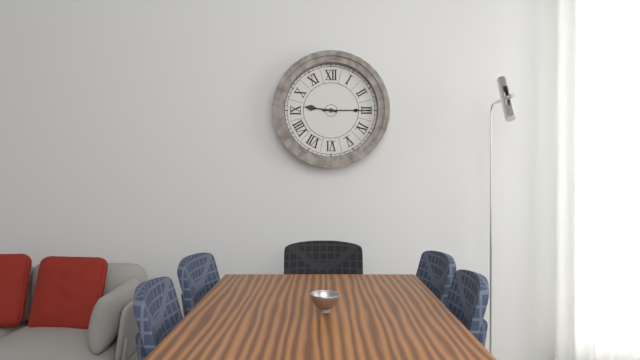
9:15
